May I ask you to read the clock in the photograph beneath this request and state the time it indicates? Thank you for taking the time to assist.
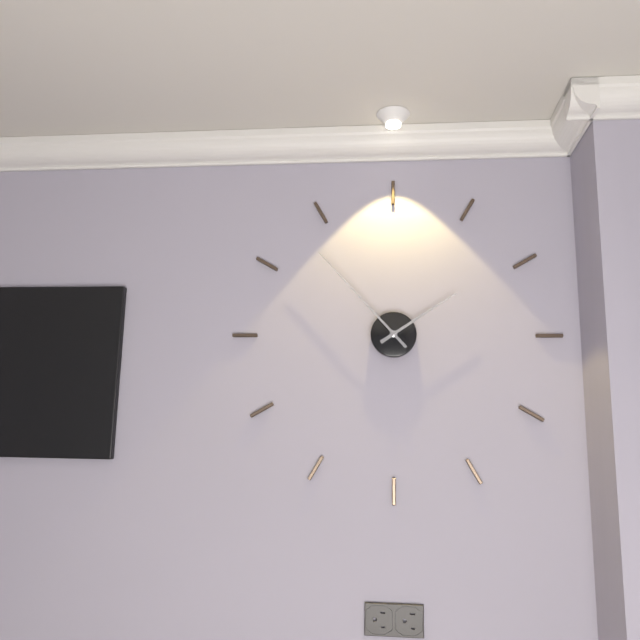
1:53
